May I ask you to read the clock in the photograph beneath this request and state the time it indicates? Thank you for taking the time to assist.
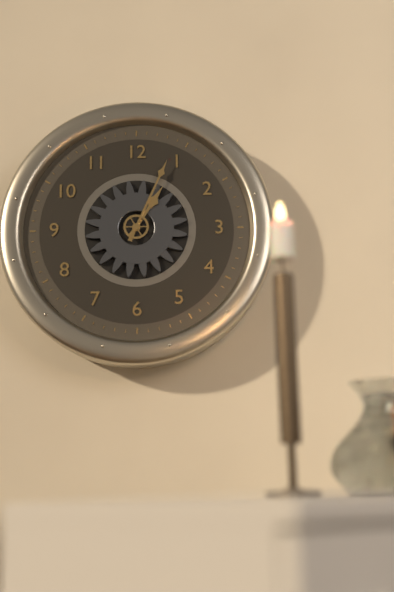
1:04
